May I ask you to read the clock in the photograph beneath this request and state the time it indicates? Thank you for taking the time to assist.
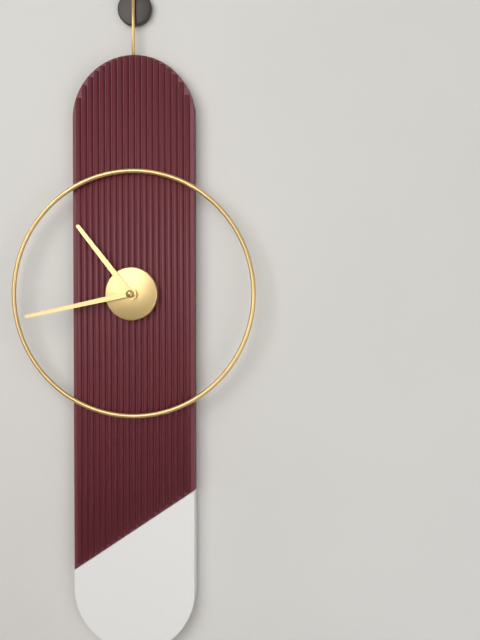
10:43
